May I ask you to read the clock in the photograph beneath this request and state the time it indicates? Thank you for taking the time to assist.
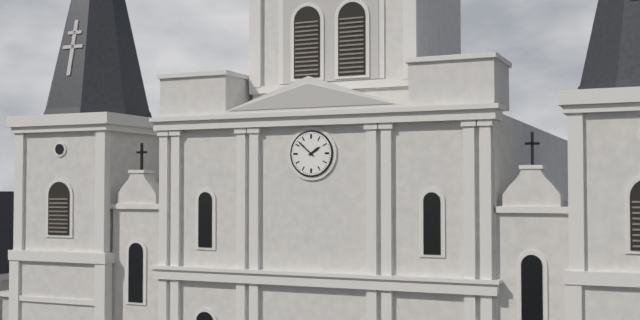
1:52
